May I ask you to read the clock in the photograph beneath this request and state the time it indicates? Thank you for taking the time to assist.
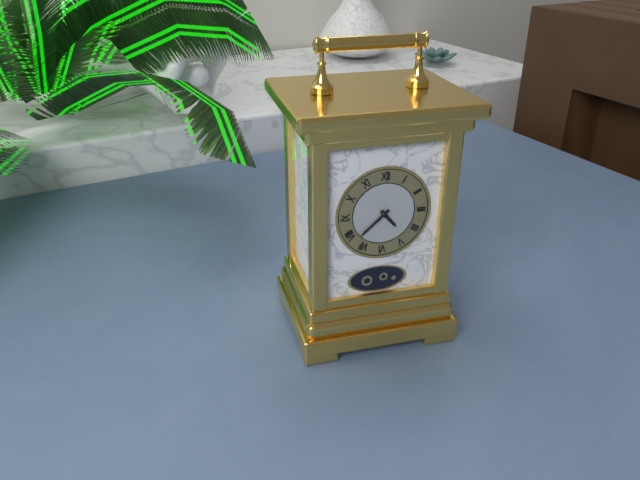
4:38
